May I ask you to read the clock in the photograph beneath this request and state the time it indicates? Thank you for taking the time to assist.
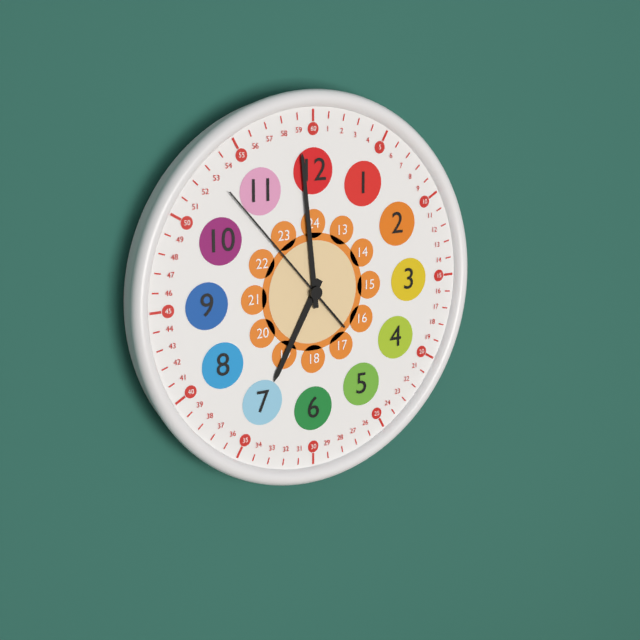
6:59:53
